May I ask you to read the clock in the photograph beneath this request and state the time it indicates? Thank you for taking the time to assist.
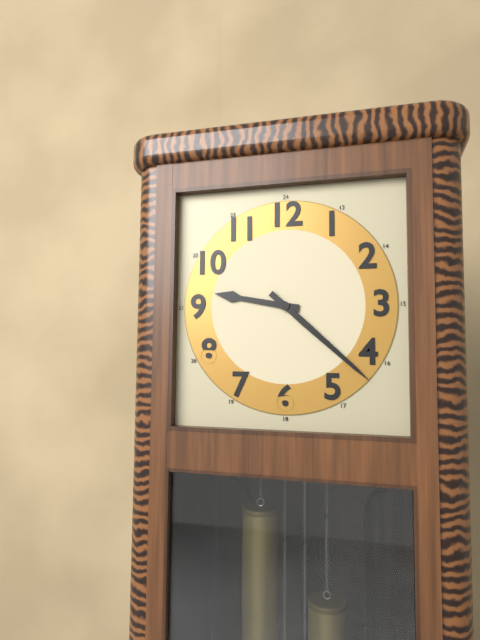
9:22
